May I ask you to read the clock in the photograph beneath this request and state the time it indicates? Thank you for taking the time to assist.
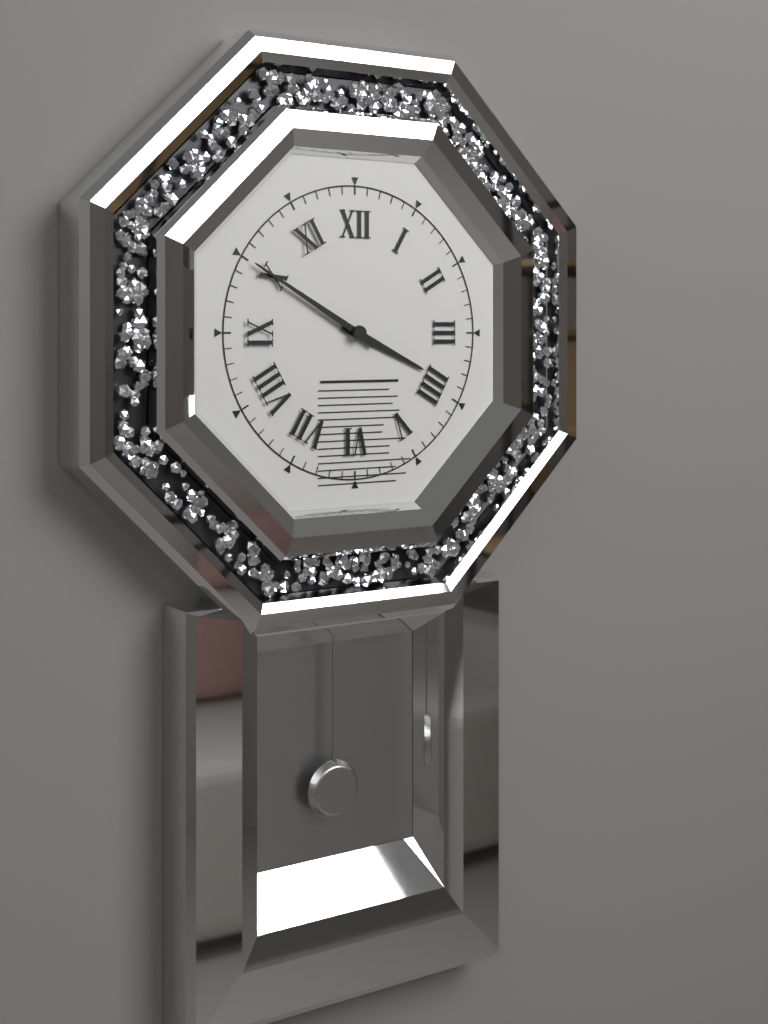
3:50
